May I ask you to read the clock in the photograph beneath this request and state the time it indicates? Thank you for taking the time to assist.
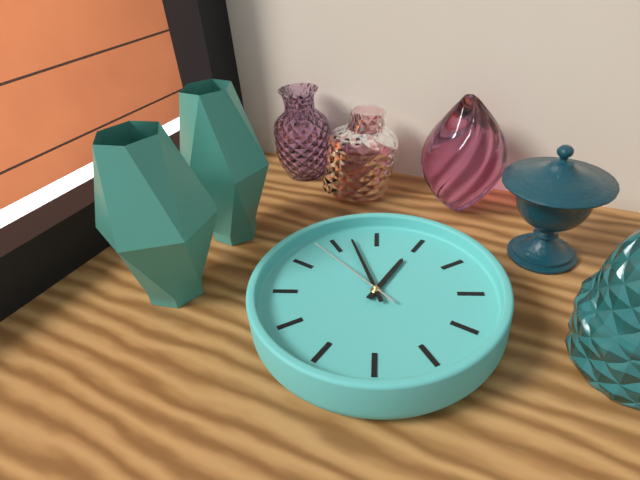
12:57:53
